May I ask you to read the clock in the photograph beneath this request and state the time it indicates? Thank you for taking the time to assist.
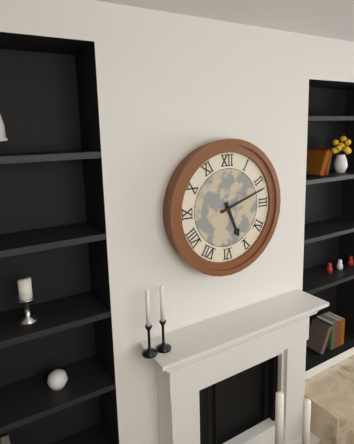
5:12
